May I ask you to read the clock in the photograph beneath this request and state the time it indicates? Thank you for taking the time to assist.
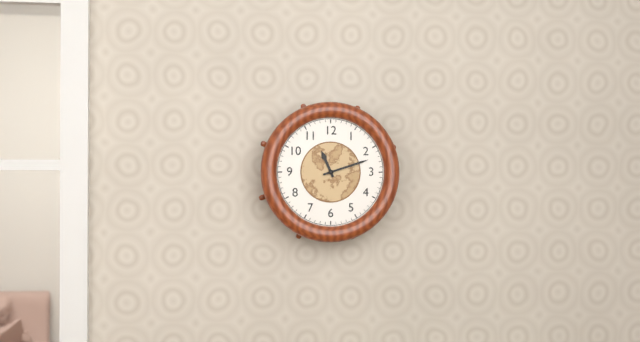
11:12
